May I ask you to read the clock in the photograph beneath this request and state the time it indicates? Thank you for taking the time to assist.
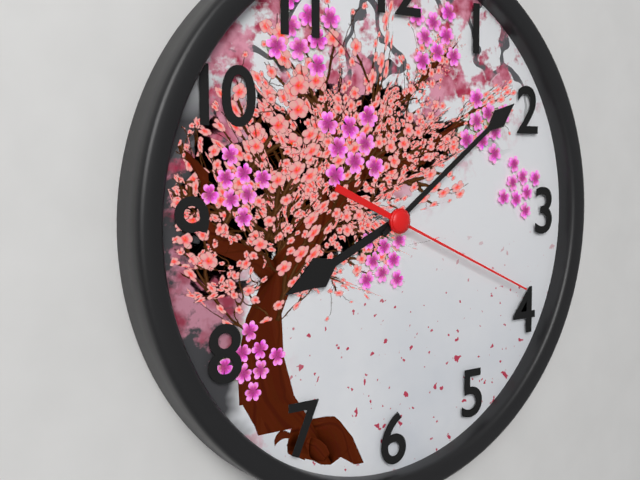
8:09:19
